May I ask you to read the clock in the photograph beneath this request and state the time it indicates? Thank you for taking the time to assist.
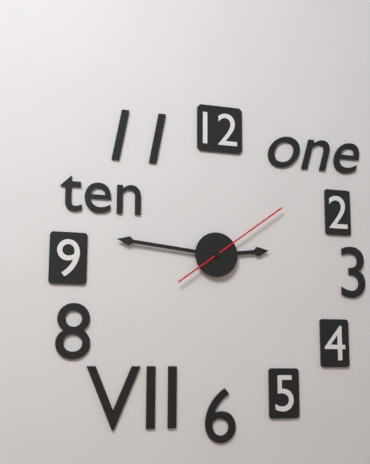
2:46:09
